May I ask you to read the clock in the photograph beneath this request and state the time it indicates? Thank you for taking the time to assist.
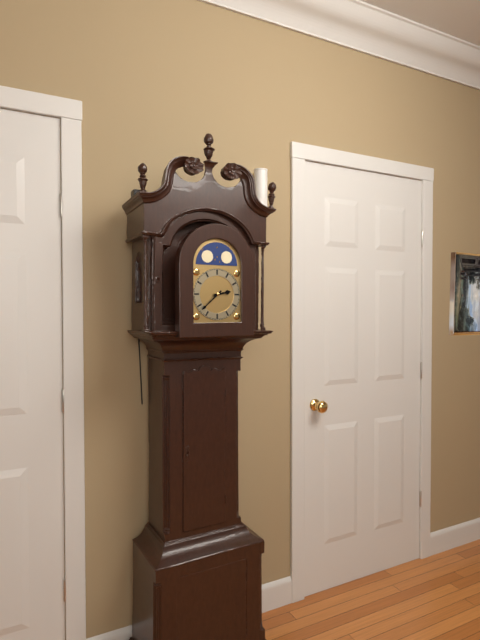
2:38
